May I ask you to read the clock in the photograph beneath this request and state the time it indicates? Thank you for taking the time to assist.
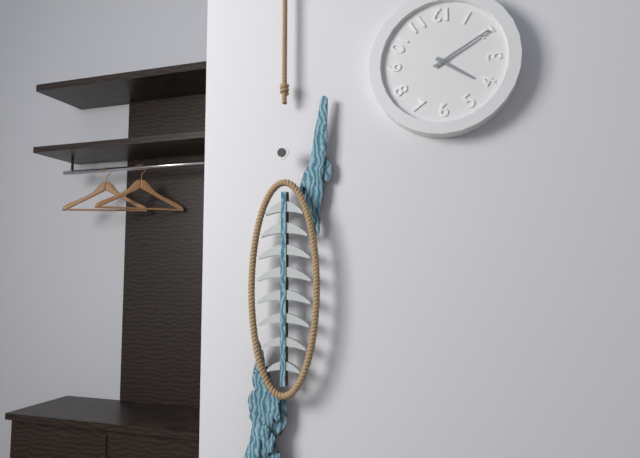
4:10
